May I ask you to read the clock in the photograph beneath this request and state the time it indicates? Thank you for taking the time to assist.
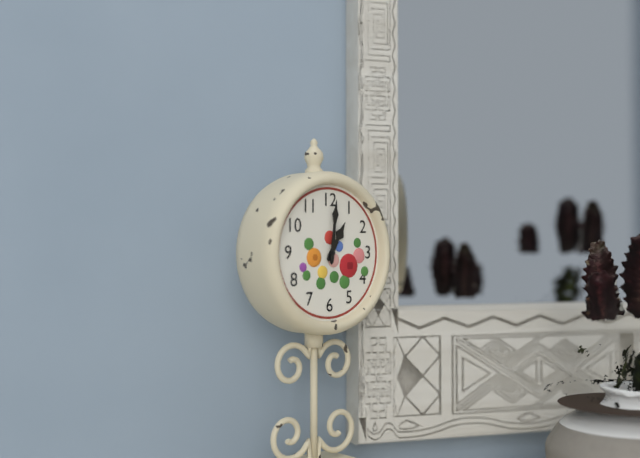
1:01
